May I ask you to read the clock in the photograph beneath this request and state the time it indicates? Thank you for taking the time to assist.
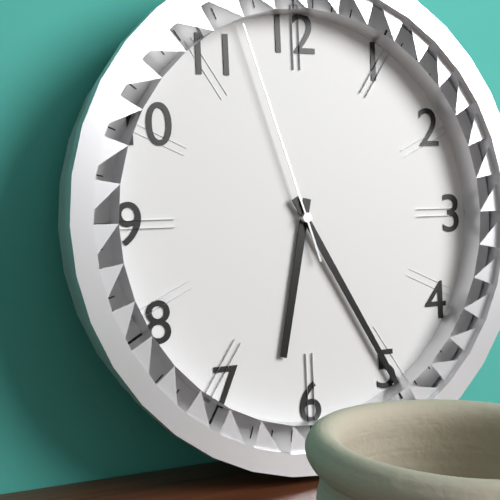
6:25:57
